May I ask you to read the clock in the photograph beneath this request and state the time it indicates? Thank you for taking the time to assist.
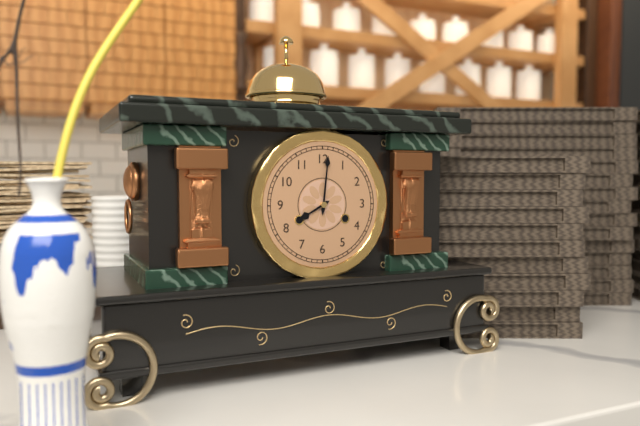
8:01
